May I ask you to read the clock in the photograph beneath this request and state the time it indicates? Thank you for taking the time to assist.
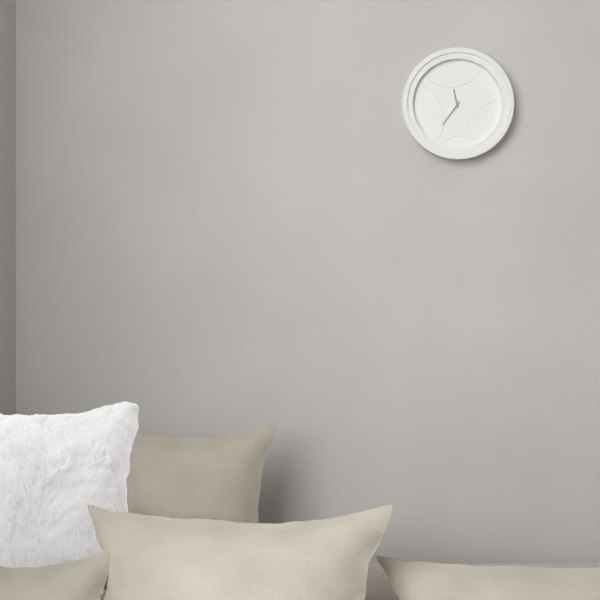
11:36
